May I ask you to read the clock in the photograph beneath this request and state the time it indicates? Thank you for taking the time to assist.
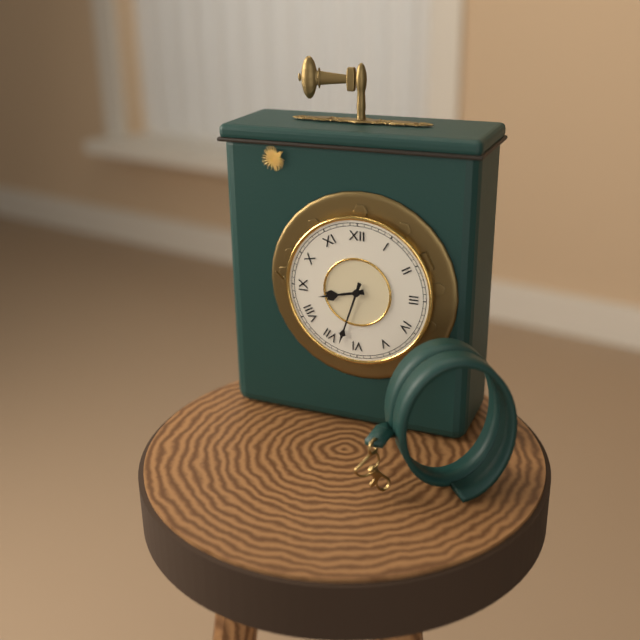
8:33
